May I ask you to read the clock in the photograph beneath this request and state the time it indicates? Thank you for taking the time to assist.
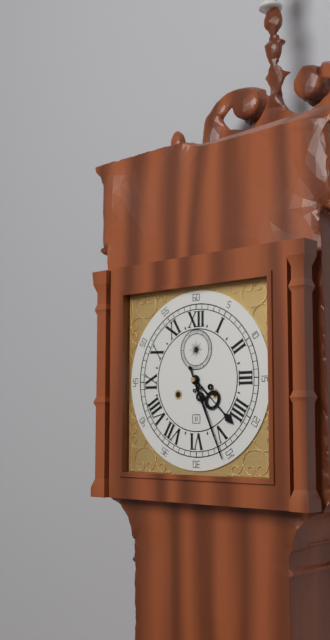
4:26
